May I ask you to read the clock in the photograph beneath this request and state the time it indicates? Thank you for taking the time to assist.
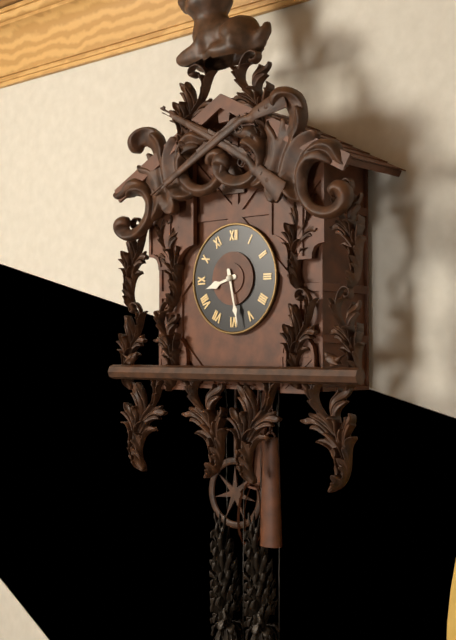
8:28
